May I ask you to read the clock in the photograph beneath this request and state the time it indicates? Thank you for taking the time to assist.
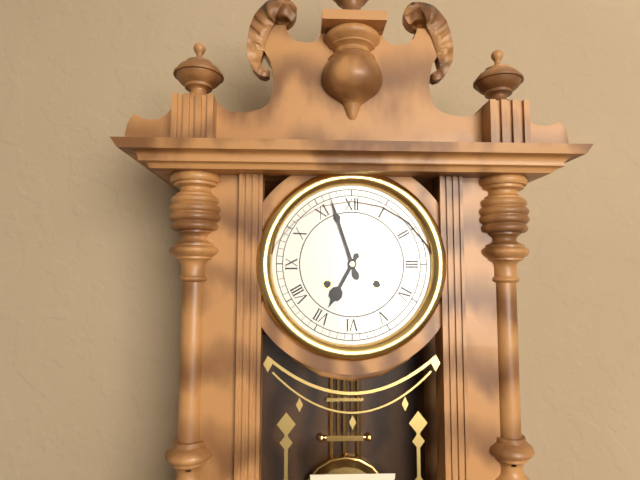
6:57
